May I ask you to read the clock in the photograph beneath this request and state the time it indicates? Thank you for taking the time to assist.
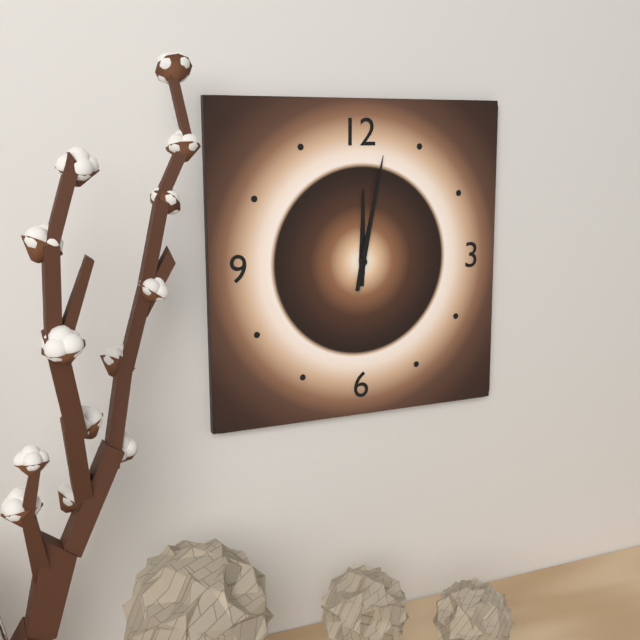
12:02
